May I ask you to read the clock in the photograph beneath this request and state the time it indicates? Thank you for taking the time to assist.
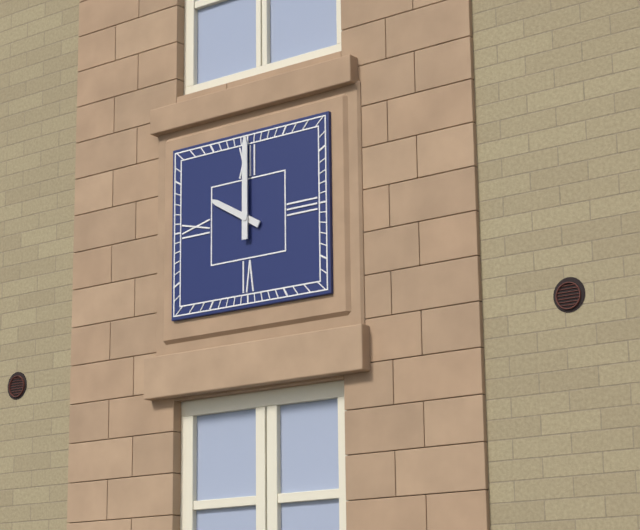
10:00
